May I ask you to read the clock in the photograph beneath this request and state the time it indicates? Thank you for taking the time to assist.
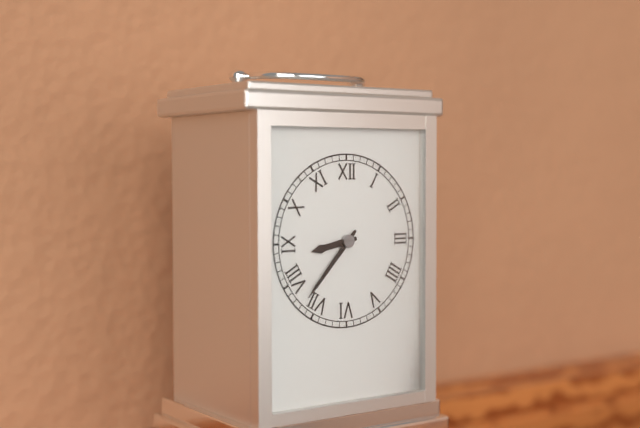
8:37
